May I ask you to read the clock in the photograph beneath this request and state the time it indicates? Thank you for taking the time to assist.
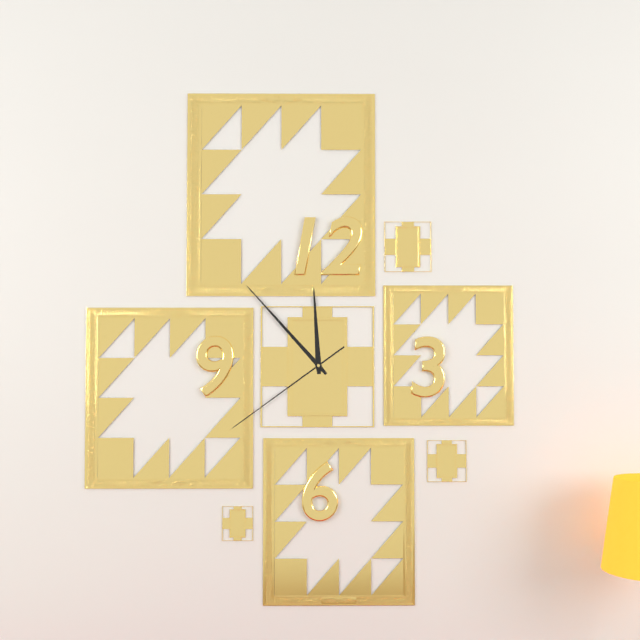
11:53:39
